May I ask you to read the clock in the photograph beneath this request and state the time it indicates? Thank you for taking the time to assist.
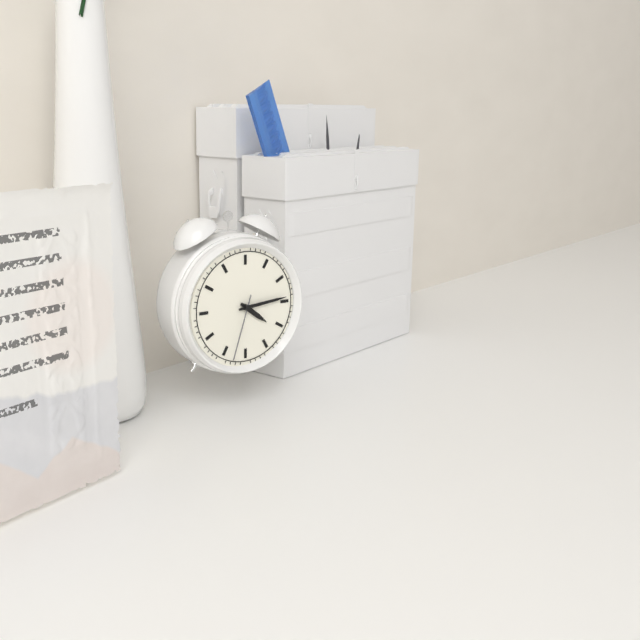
4:14:33
